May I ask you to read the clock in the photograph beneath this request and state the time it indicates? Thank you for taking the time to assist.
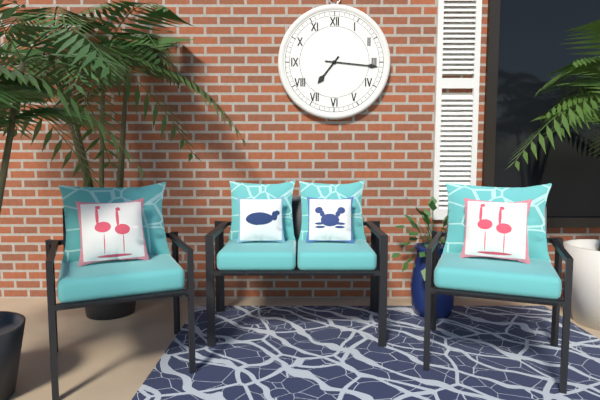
7:16
